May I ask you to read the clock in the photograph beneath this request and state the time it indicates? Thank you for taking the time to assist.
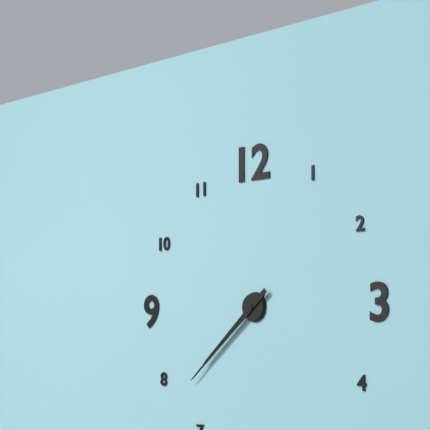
7:38
